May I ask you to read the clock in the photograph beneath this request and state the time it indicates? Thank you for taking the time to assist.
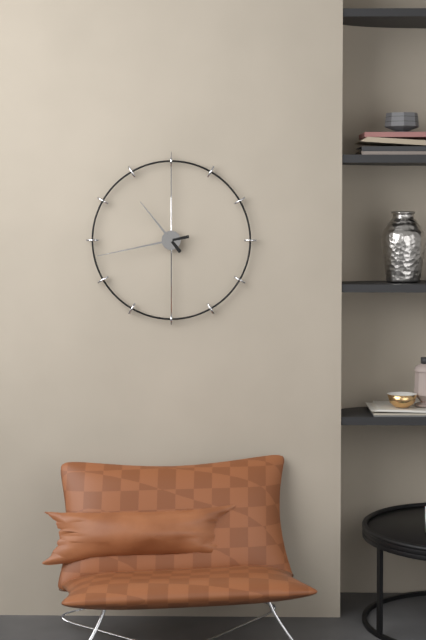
10:43
